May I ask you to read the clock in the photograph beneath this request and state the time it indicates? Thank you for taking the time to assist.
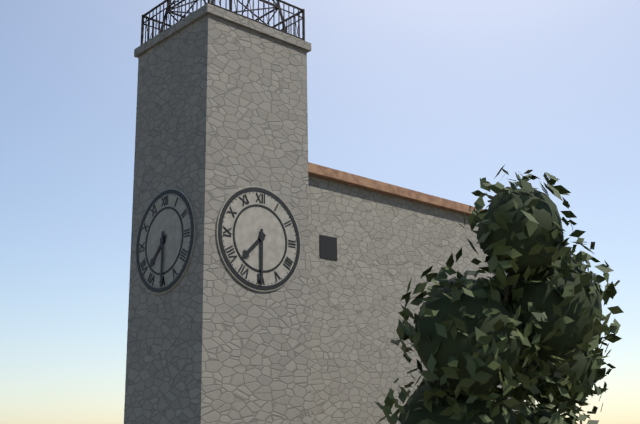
7:30
